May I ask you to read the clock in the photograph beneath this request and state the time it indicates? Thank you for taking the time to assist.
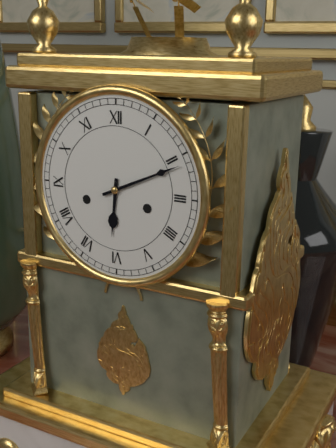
6:11
